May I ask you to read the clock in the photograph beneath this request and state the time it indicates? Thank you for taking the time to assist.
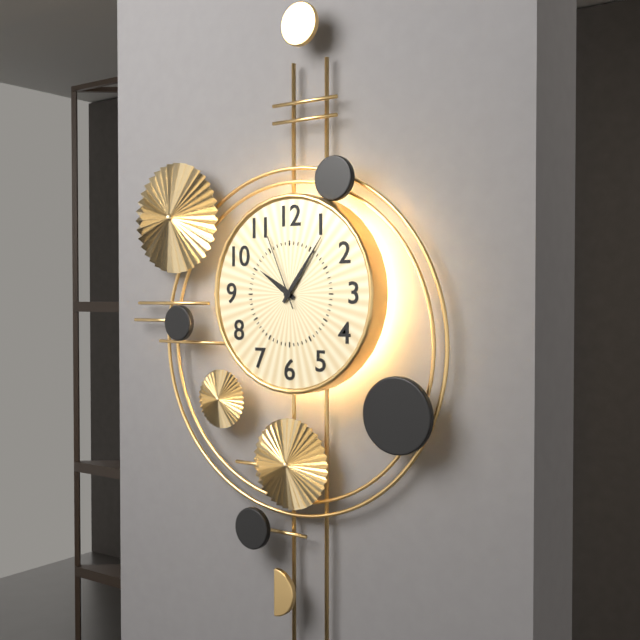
10:06:56
